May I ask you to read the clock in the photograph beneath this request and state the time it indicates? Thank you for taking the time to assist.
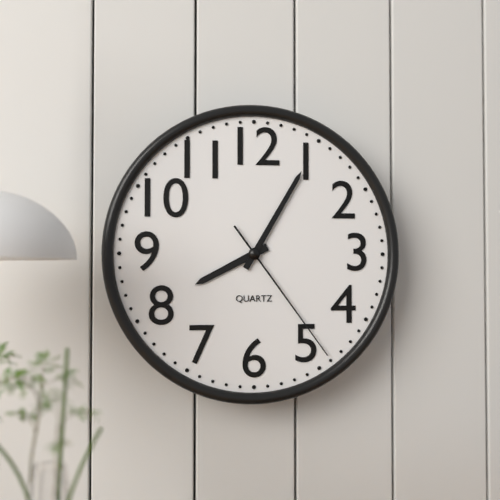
8:05:24
